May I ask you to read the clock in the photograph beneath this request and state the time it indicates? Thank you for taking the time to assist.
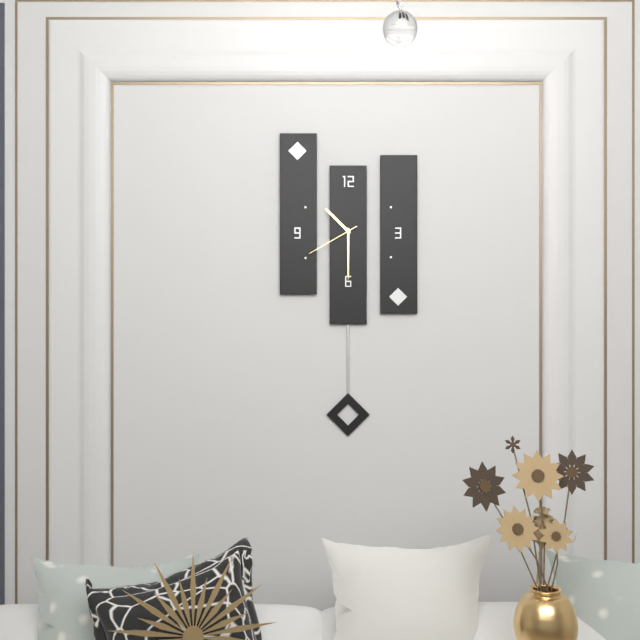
10:30:40
